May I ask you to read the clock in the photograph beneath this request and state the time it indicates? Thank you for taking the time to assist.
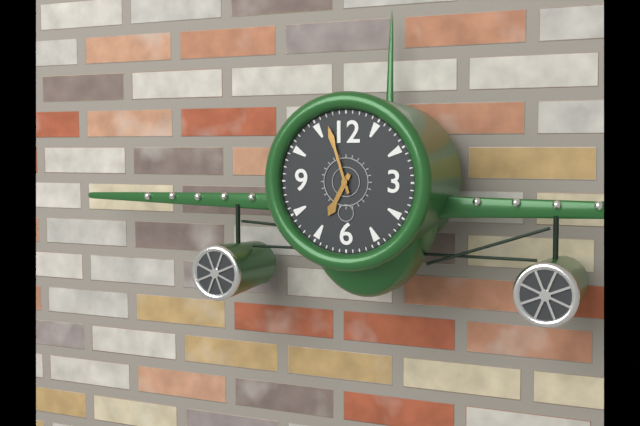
6:57
